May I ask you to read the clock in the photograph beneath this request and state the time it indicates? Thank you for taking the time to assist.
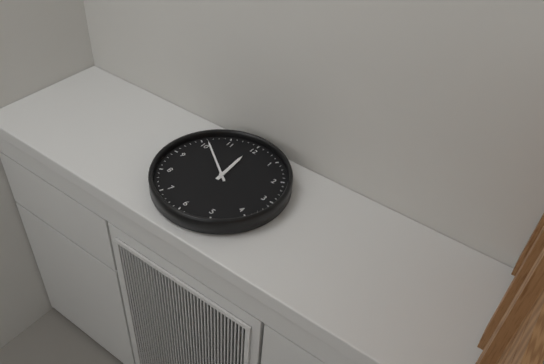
11:51
